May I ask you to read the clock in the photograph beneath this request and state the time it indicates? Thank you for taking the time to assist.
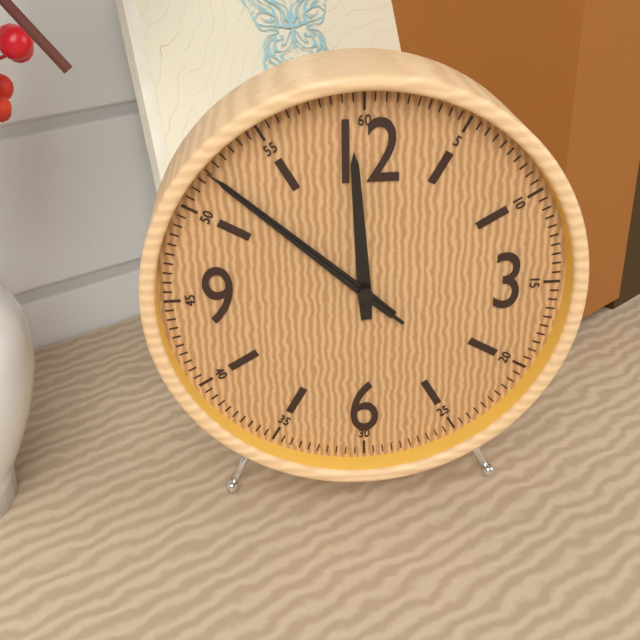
11:52:52
